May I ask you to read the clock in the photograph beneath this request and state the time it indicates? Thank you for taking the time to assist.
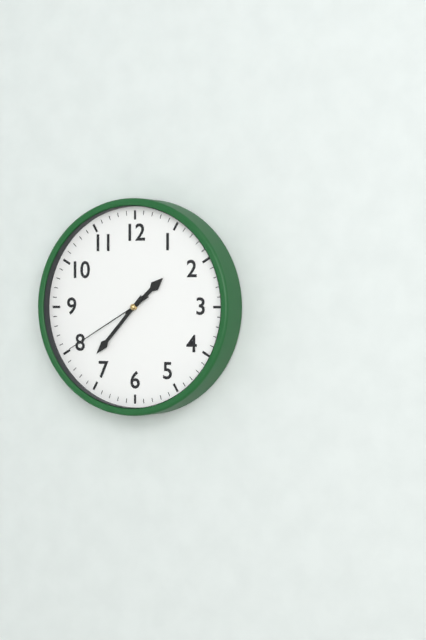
1:37:40
